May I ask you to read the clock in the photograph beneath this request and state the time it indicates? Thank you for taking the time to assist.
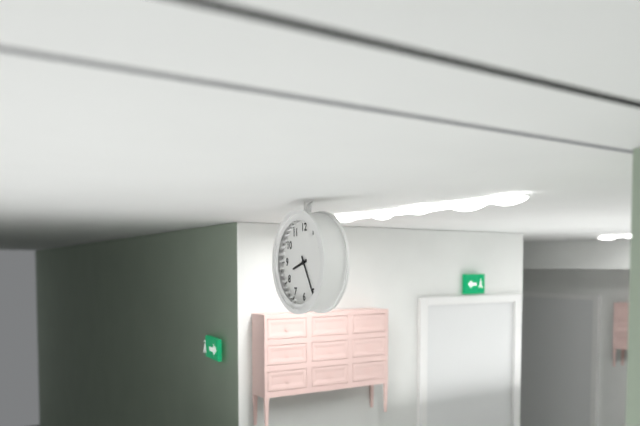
8:25
